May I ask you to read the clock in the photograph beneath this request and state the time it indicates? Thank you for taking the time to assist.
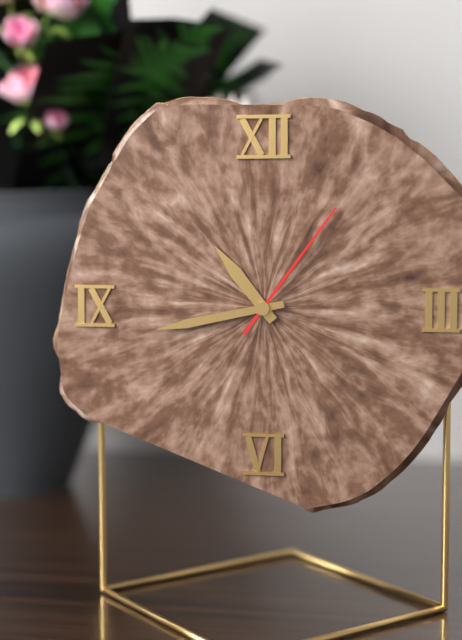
10:43:06
